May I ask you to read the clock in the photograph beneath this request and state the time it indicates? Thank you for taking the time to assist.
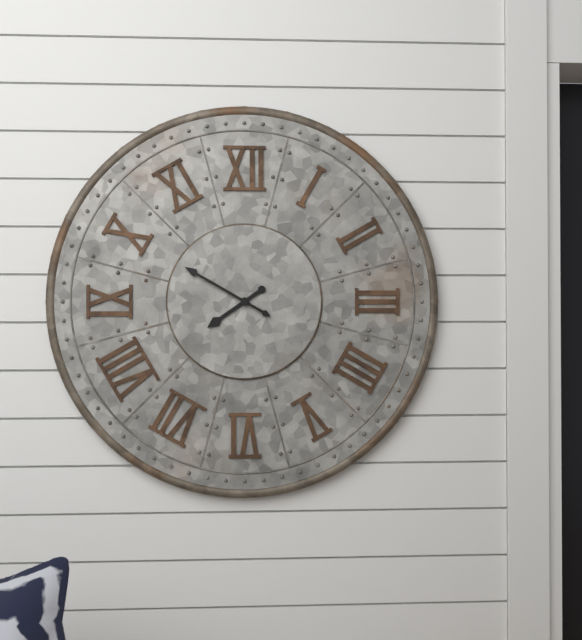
7:50
